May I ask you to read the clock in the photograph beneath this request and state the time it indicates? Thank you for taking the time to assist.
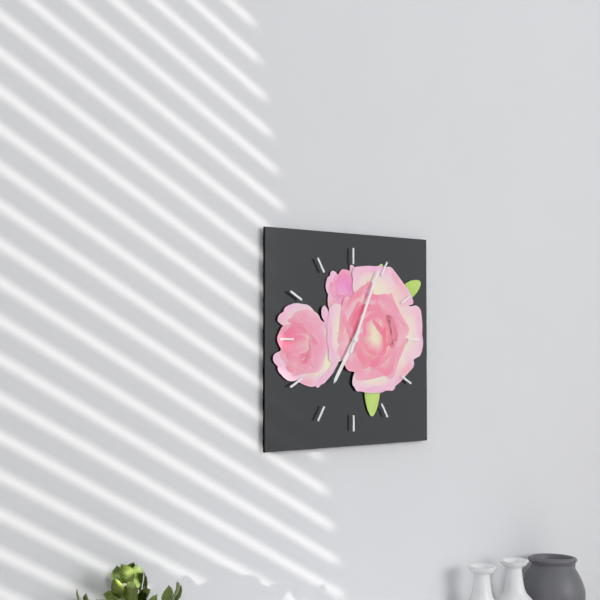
7:04
